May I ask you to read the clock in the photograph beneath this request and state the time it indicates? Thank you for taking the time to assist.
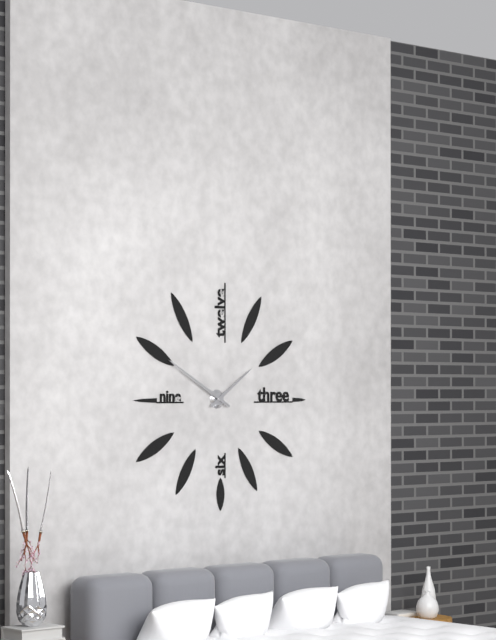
1:50
